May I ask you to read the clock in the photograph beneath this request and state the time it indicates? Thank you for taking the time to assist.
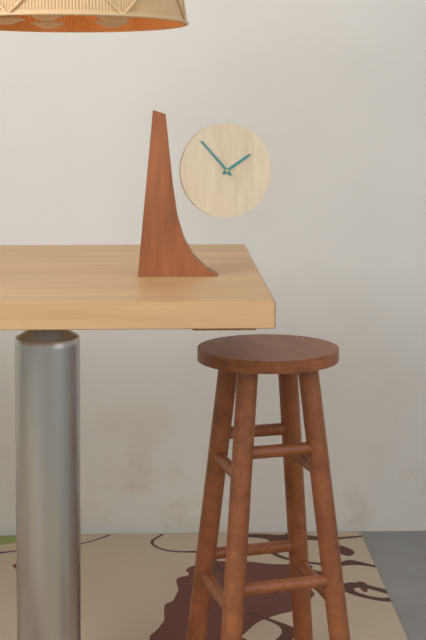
1:53
